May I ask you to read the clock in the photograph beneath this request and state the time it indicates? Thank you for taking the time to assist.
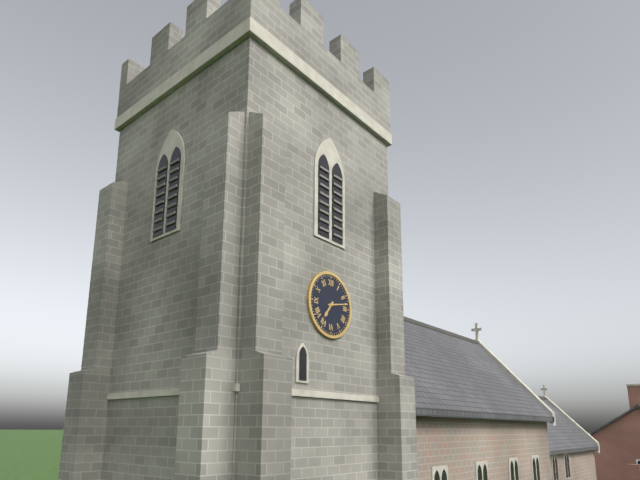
7:13
